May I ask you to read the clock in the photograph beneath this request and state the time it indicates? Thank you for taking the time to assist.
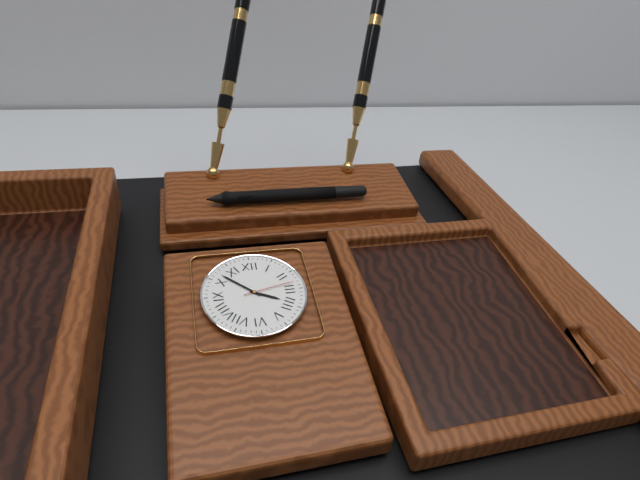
3:52:13
